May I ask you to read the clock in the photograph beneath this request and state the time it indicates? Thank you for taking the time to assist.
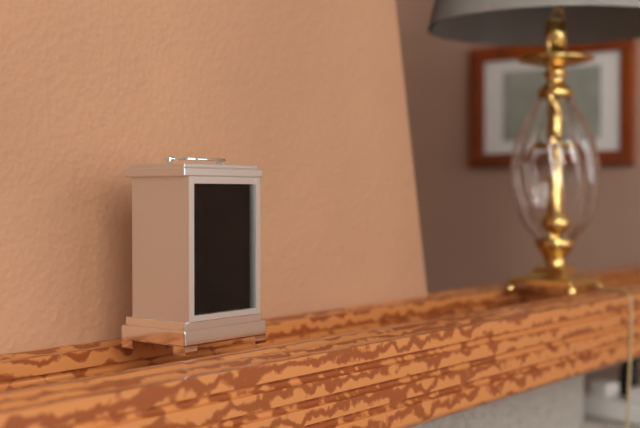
5:20
